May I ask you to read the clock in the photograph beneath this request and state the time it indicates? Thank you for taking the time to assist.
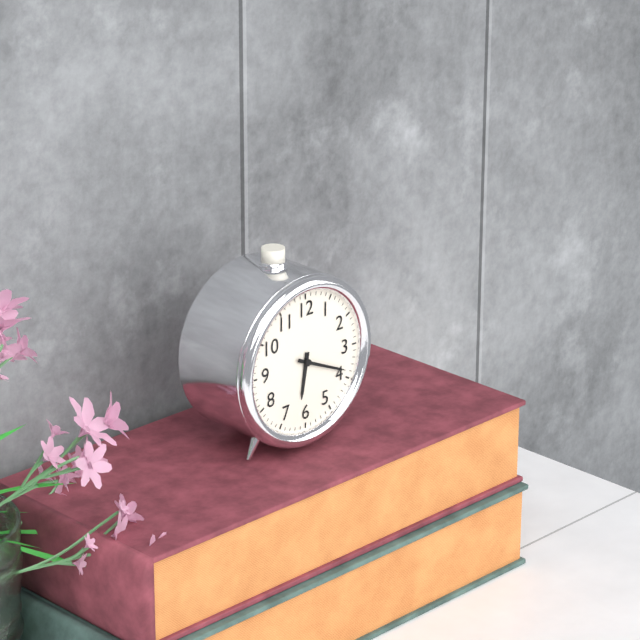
6:19
